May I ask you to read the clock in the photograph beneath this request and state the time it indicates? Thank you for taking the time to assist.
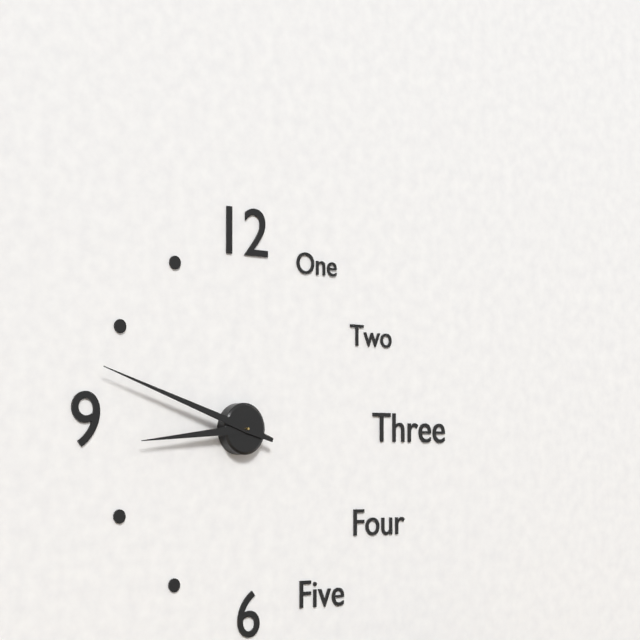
8:48
